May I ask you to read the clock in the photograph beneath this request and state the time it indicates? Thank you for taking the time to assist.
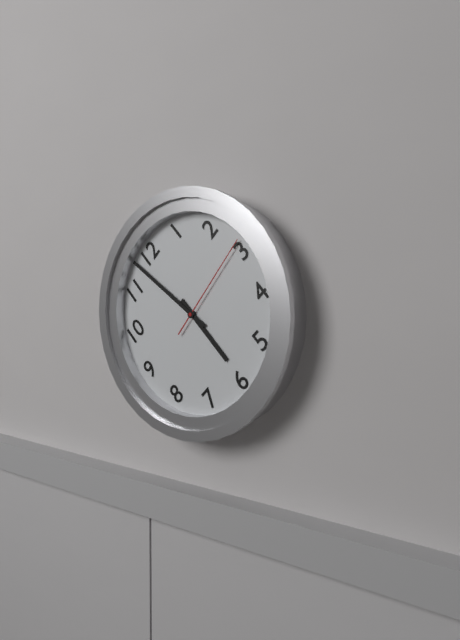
5:58:14
